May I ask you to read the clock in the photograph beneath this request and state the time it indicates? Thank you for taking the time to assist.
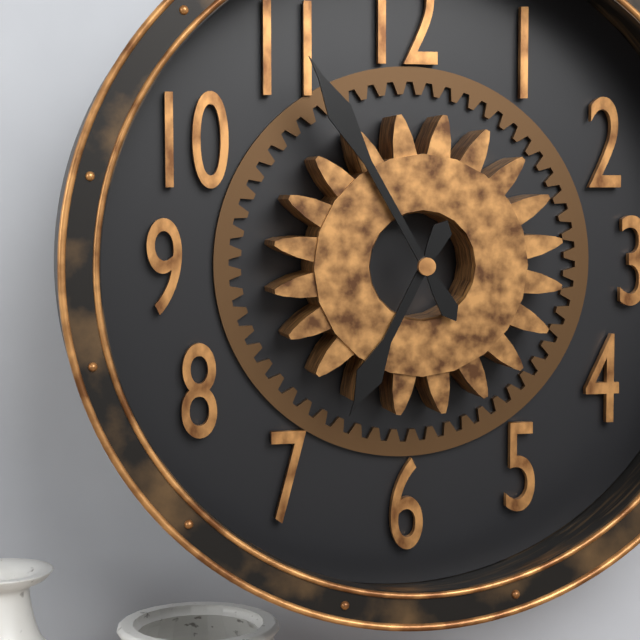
6:55
